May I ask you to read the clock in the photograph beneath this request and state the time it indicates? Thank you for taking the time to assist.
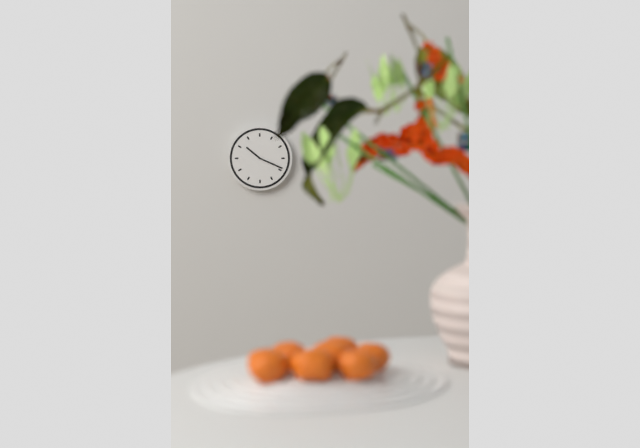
10:19
